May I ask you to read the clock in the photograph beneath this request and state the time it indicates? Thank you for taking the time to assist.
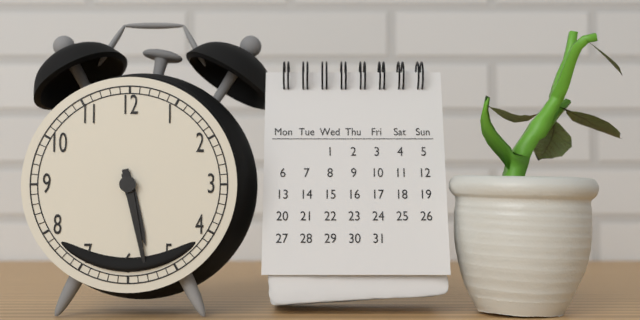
5:28
